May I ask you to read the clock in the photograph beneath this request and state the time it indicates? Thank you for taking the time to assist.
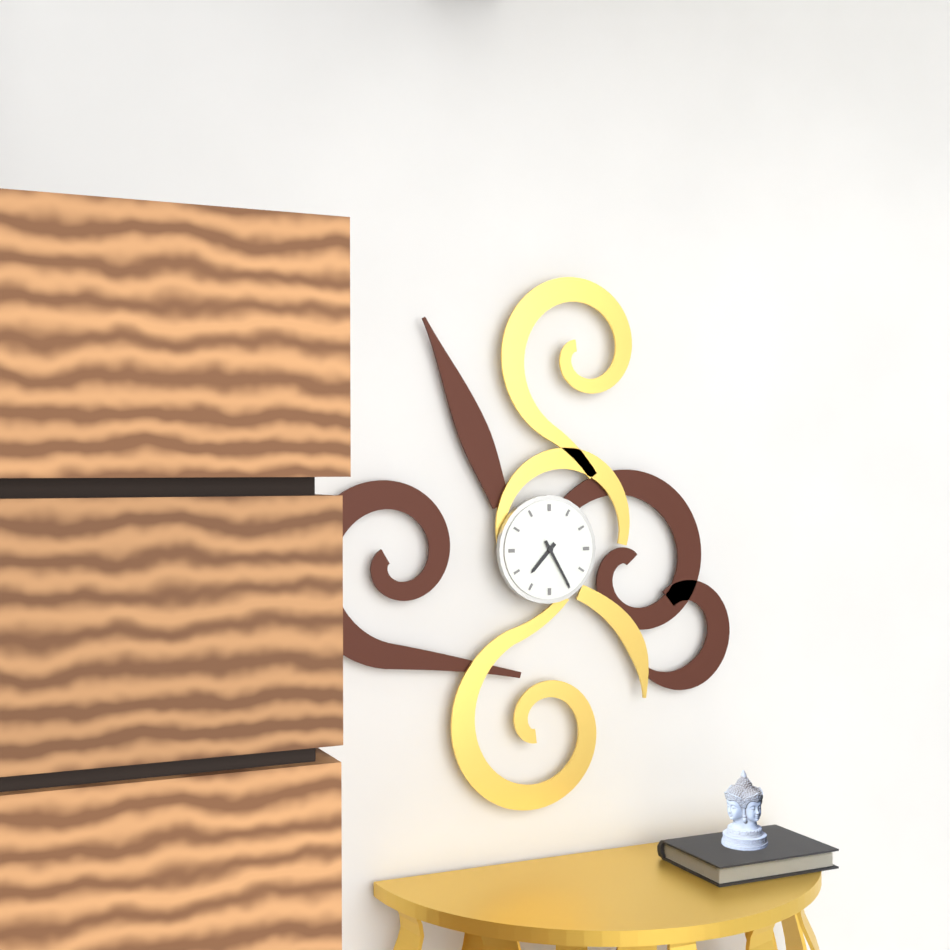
7:25
